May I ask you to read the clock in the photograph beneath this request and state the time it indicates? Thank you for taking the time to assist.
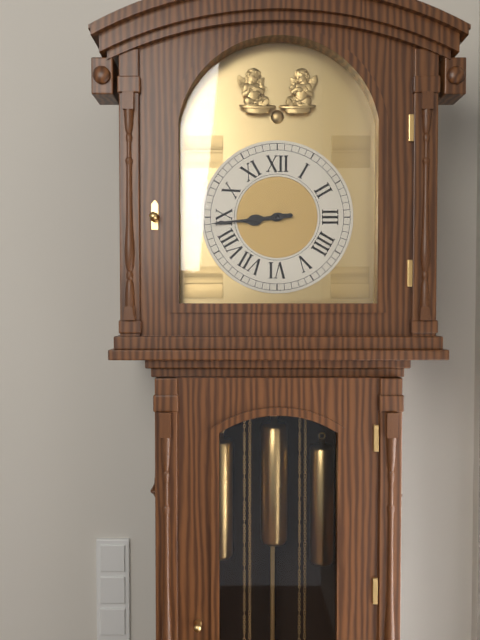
8:44
